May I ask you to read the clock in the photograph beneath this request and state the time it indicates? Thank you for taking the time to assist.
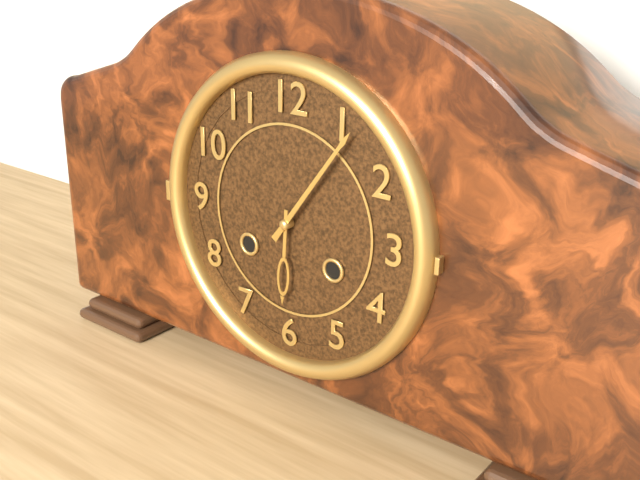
6:06
